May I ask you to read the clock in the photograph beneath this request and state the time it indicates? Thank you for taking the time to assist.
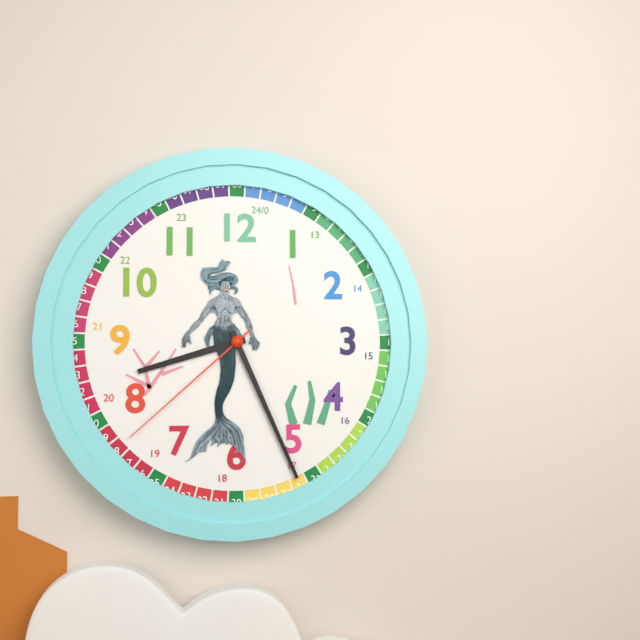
8:26:38
